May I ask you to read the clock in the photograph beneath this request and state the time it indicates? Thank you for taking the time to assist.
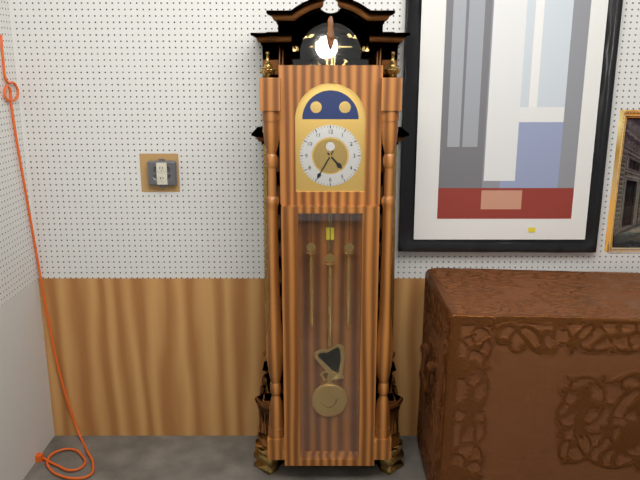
4:35
